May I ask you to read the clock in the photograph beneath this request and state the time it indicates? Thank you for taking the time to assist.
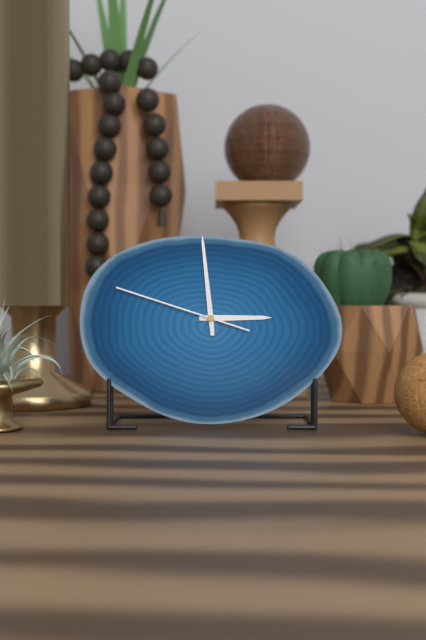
2:59:48
